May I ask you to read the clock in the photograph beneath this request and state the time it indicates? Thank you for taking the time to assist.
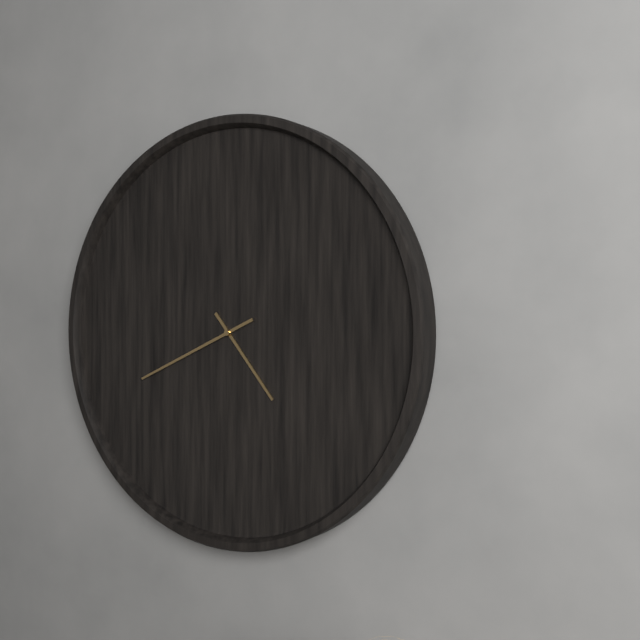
4:41
